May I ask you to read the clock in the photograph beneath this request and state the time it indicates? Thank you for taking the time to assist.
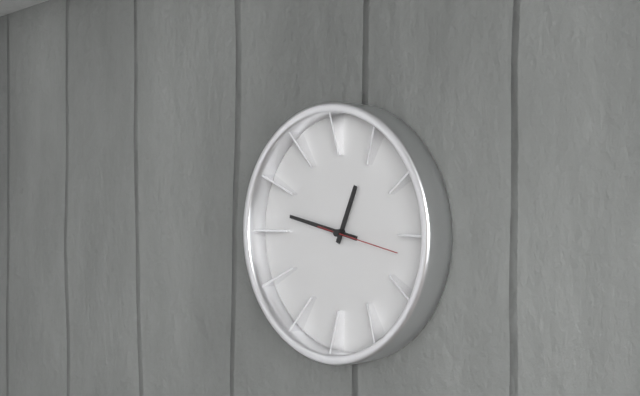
12:47:17
